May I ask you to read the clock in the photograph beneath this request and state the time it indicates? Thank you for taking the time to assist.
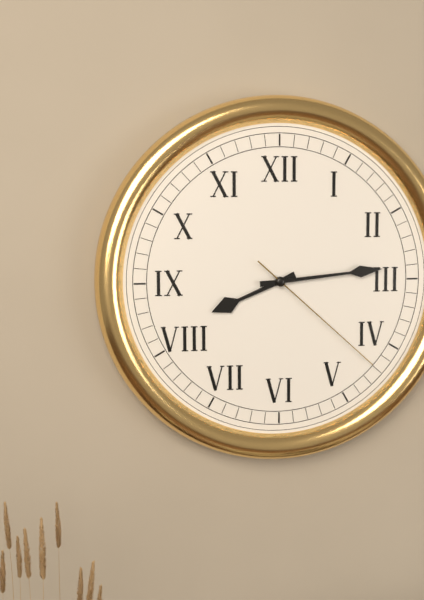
8:14:22
